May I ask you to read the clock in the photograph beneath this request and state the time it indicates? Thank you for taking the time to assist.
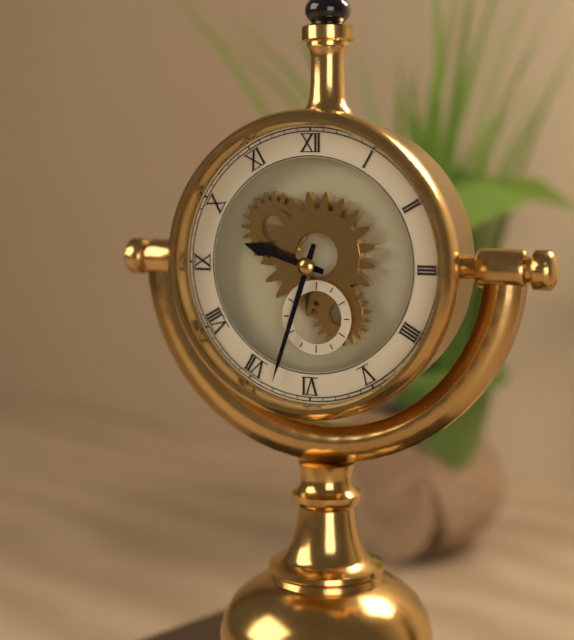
9:33
